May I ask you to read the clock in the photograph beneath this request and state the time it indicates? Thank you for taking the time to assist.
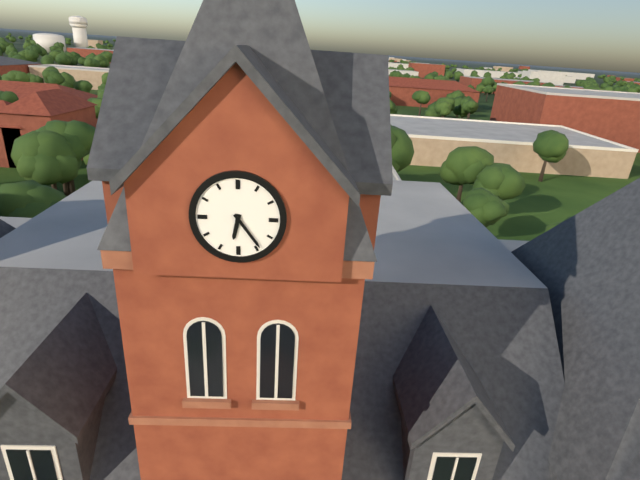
6:24
